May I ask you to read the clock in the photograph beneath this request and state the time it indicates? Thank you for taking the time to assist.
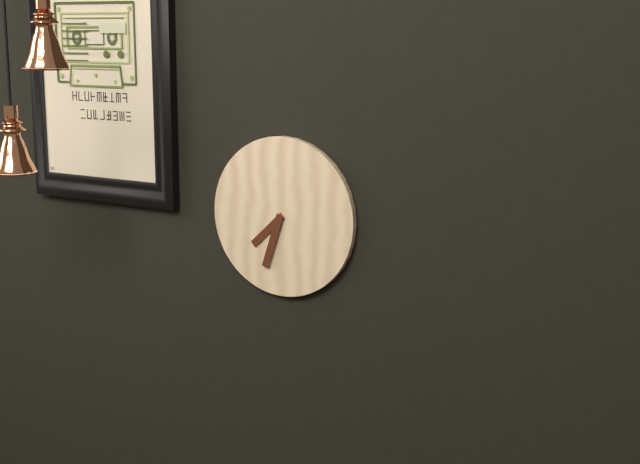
7:33
